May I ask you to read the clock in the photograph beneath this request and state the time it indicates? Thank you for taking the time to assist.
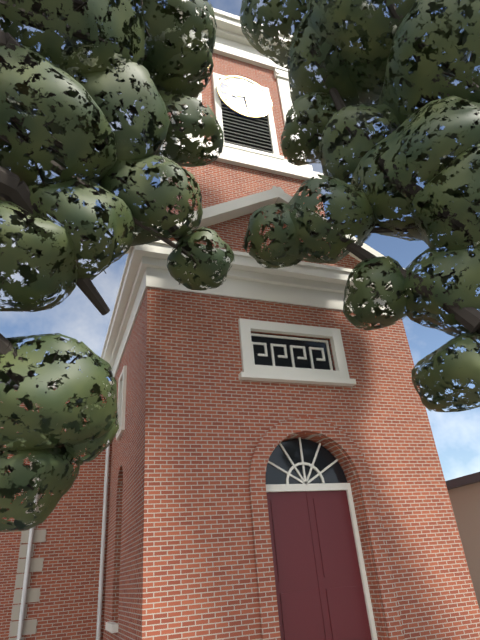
8:29
